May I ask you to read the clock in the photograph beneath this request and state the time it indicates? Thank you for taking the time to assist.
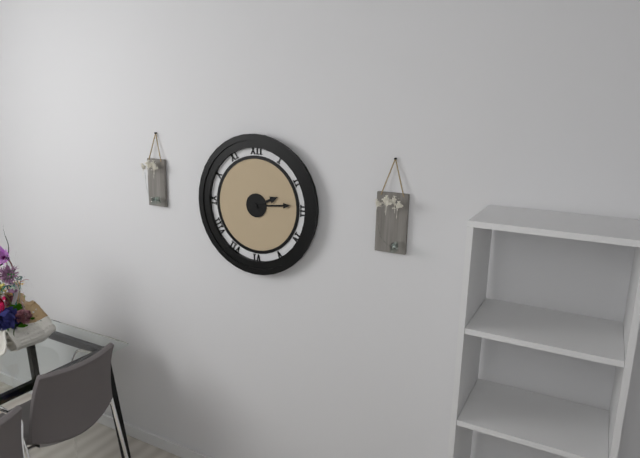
2:14
